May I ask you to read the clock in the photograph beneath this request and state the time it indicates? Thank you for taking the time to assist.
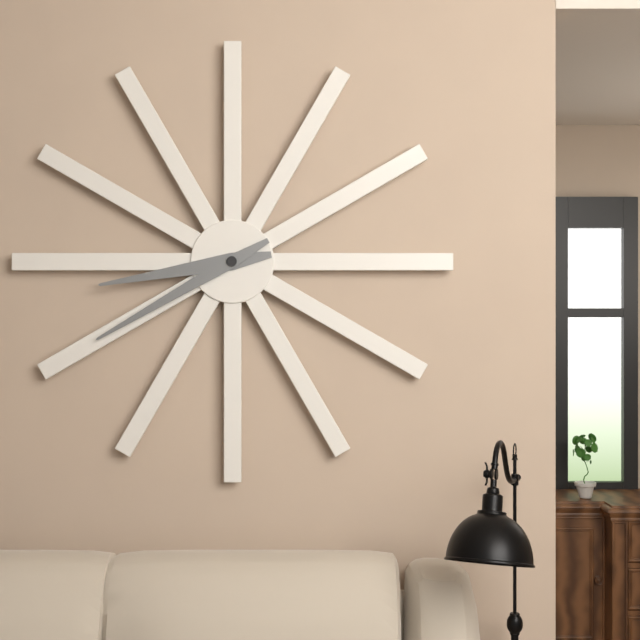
8:40
